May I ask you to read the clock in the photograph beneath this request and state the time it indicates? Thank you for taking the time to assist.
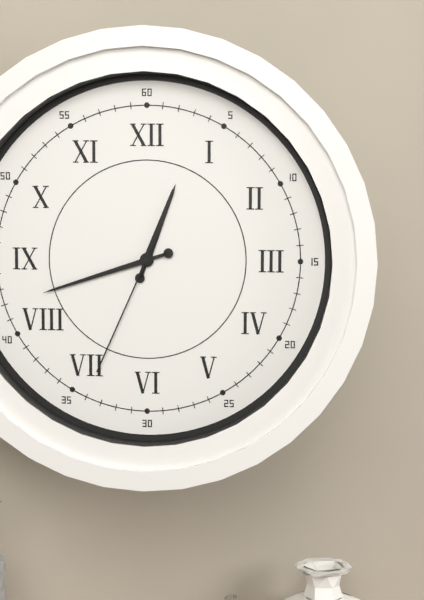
12:42:34
